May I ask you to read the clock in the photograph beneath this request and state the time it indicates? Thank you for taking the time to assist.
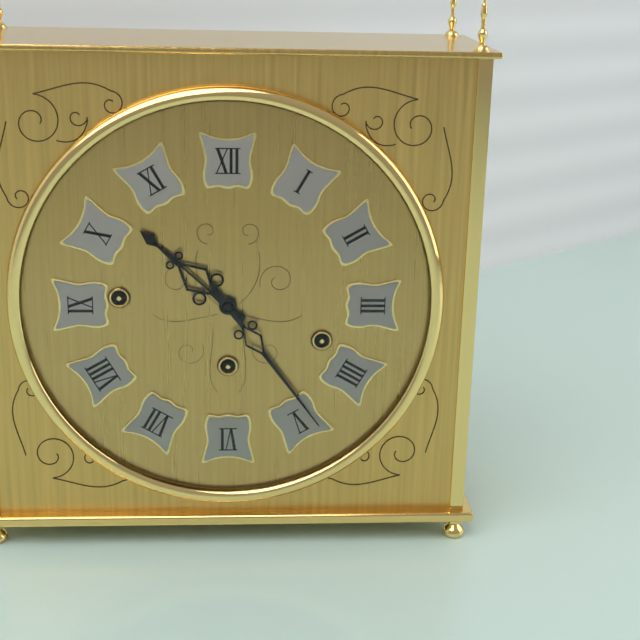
10:24
